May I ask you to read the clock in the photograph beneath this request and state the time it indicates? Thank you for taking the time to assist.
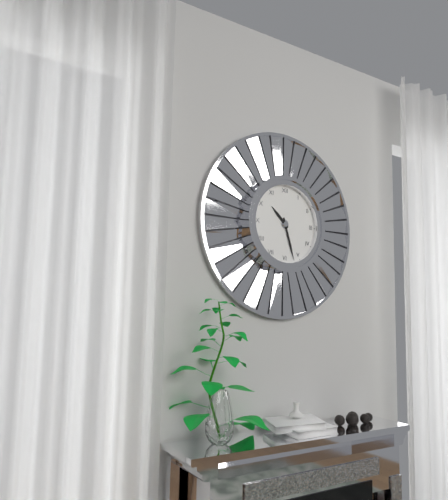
10:27
